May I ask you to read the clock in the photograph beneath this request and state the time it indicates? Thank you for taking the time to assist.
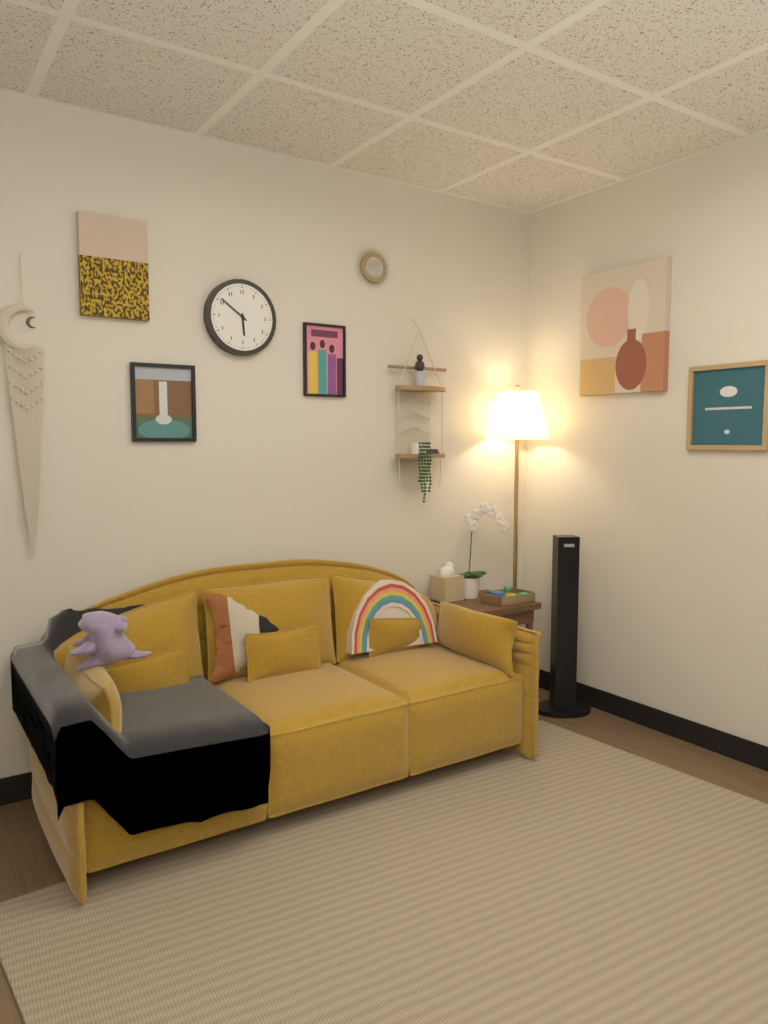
5:51
